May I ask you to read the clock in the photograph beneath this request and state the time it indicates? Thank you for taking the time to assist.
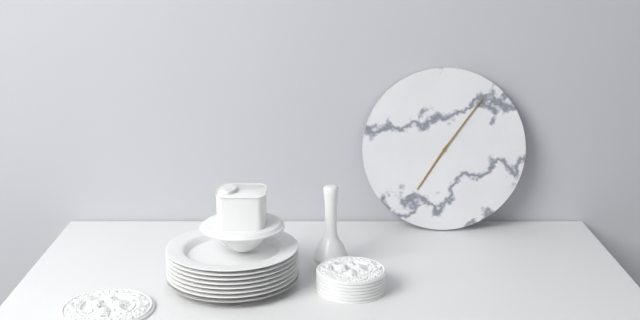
7:06
